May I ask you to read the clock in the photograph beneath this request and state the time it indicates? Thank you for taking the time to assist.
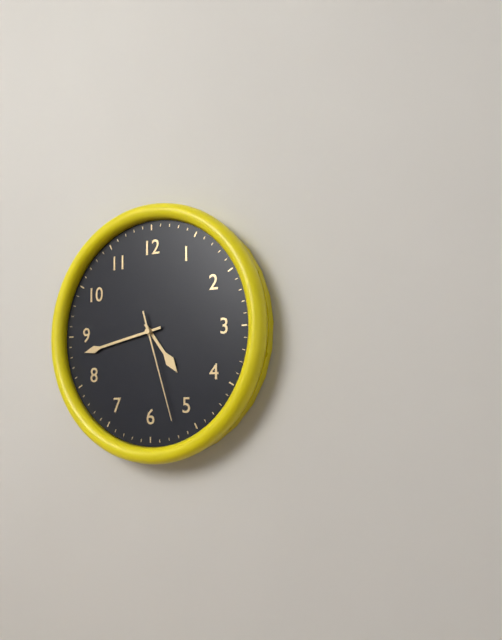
4:43:27
